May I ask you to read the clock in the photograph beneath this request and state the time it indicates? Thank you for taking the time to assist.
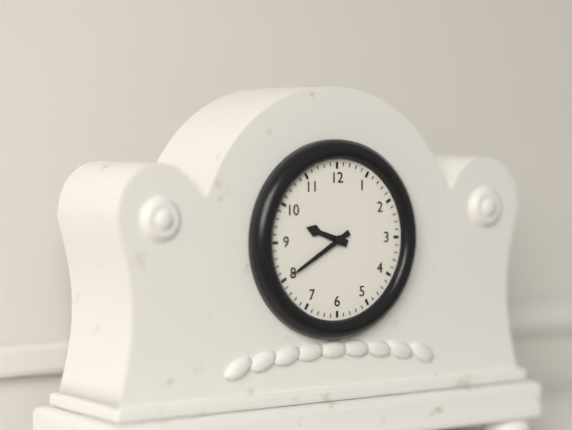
9:40
